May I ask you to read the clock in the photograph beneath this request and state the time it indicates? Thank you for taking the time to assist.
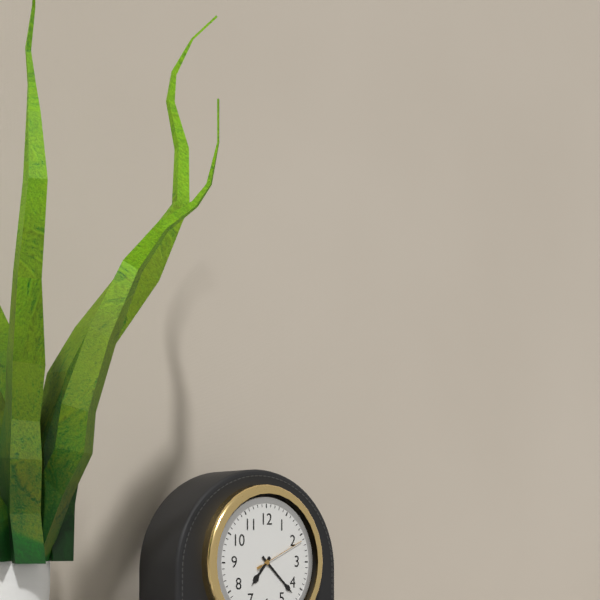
7:22:11
